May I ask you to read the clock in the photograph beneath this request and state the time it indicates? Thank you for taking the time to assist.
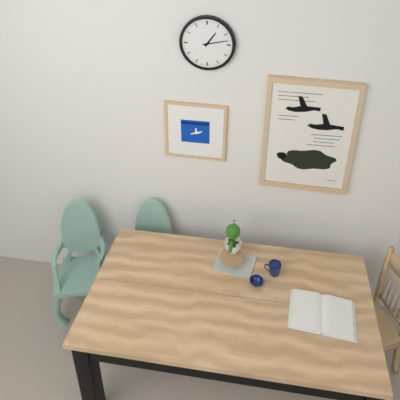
1:13
